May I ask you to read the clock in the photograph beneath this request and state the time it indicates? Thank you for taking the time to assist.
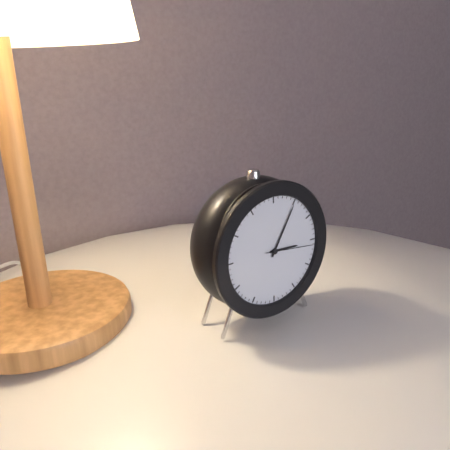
3:05
